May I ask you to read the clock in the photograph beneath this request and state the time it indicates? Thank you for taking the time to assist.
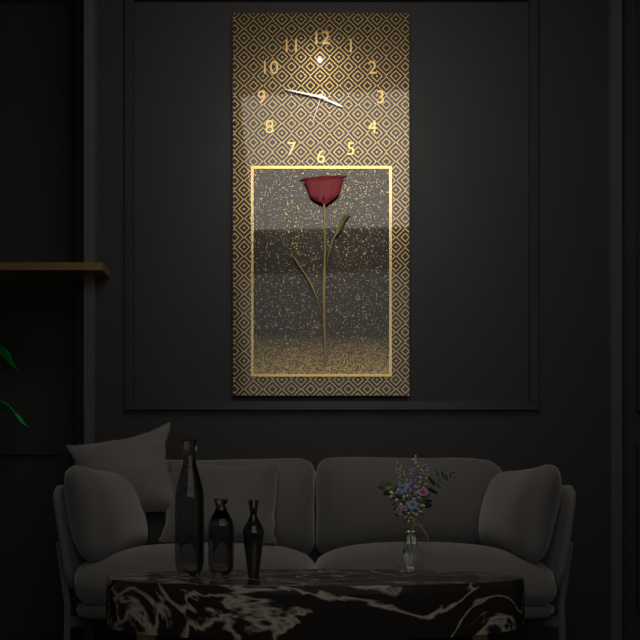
3:47
